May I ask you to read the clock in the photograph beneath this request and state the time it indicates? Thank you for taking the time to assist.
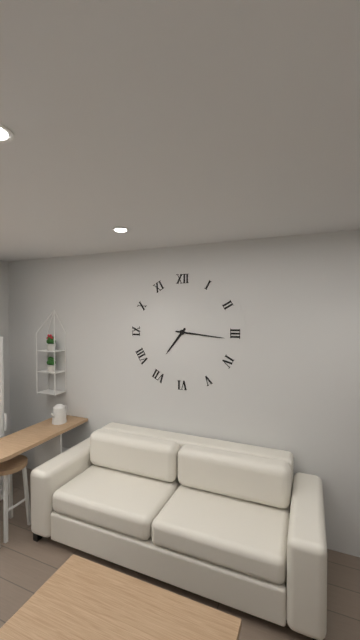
7:16
